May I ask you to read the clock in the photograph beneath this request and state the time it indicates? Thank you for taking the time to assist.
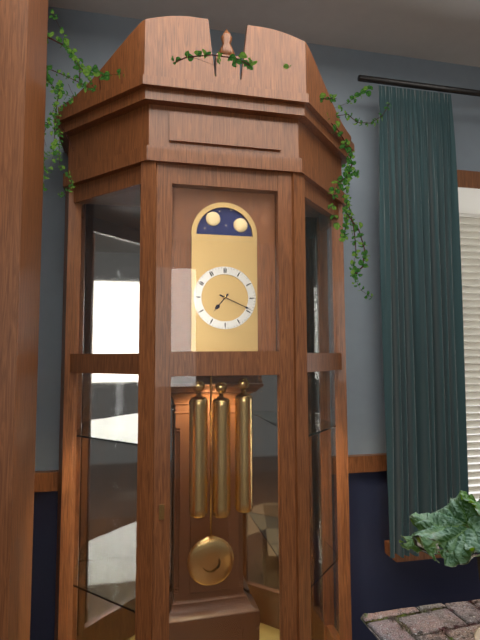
7:19
